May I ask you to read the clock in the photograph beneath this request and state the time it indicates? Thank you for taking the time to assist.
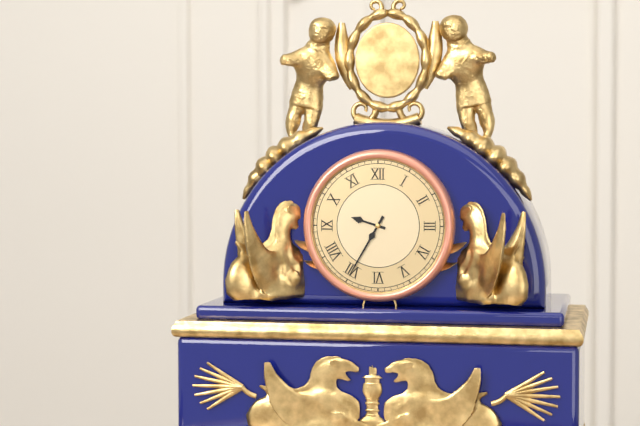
9:35
